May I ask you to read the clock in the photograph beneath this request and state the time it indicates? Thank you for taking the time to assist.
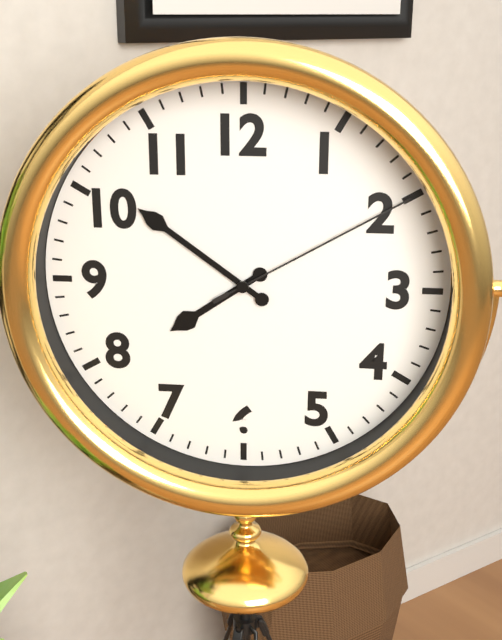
7:51:10
